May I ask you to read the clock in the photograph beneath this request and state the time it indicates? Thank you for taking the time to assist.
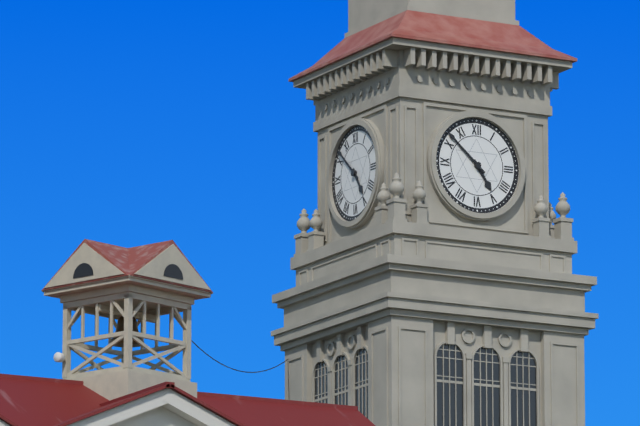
4:52
